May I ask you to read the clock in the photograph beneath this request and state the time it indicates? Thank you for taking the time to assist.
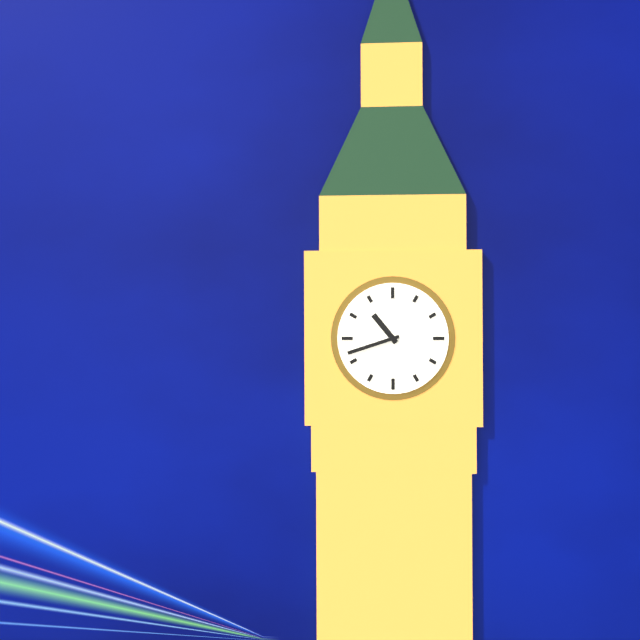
10:42
